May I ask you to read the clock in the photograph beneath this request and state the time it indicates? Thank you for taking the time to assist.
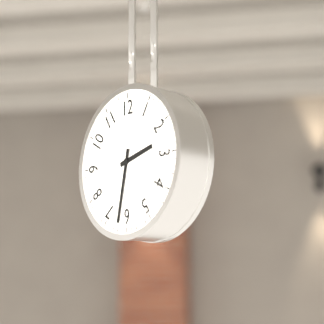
2:32
